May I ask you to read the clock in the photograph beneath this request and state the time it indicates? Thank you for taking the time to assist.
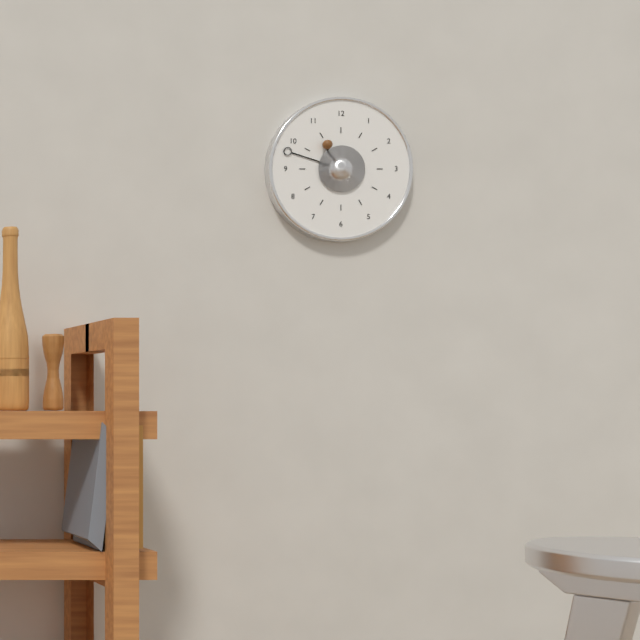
10:48
